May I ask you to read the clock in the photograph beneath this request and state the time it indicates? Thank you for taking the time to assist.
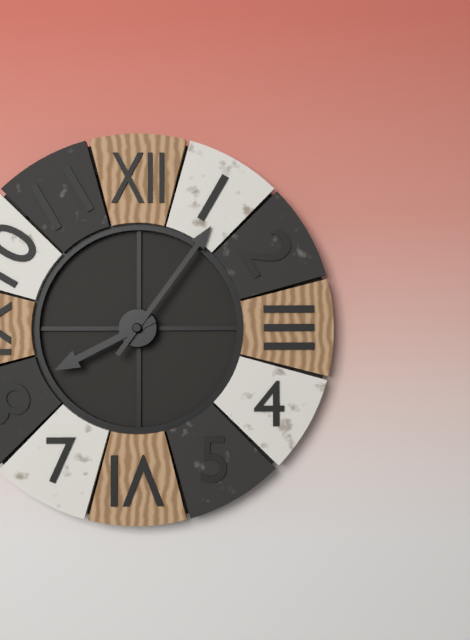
8:06
